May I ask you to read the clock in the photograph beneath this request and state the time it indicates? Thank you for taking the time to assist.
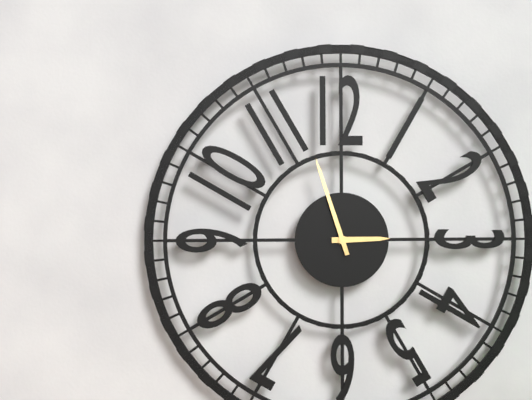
2:57
